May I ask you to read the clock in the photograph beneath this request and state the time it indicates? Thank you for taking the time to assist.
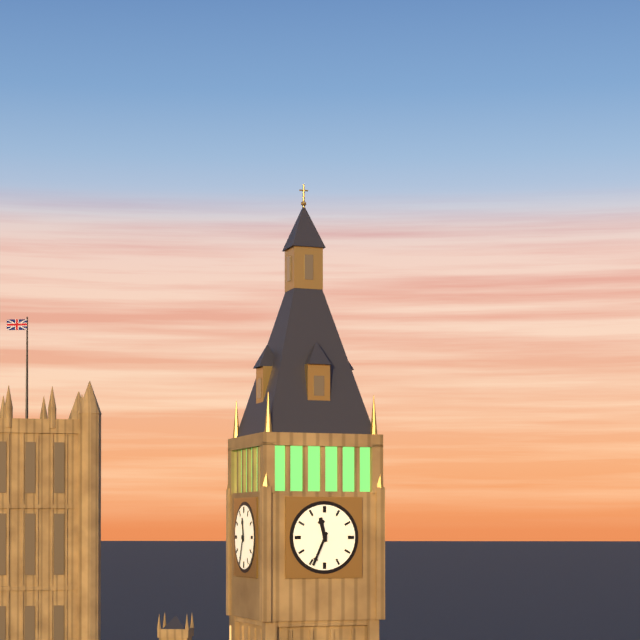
11:34
